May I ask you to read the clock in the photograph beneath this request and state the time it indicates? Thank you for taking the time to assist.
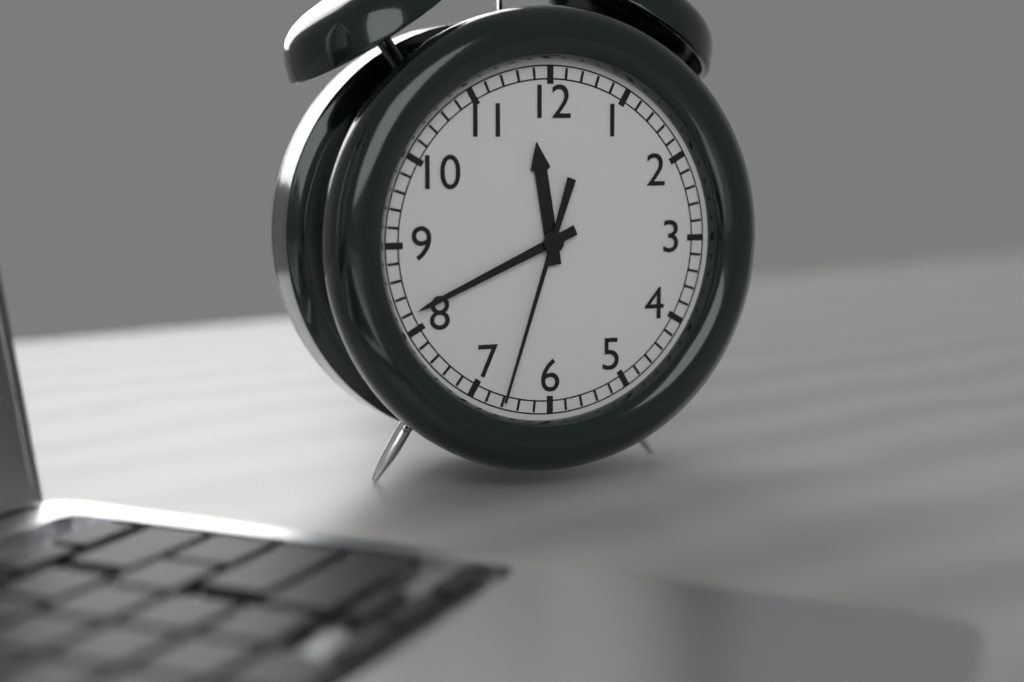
11:41:33
